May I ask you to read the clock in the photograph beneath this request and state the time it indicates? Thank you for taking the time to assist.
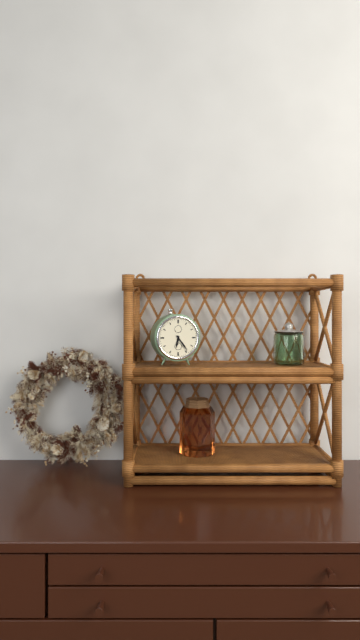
6:24
